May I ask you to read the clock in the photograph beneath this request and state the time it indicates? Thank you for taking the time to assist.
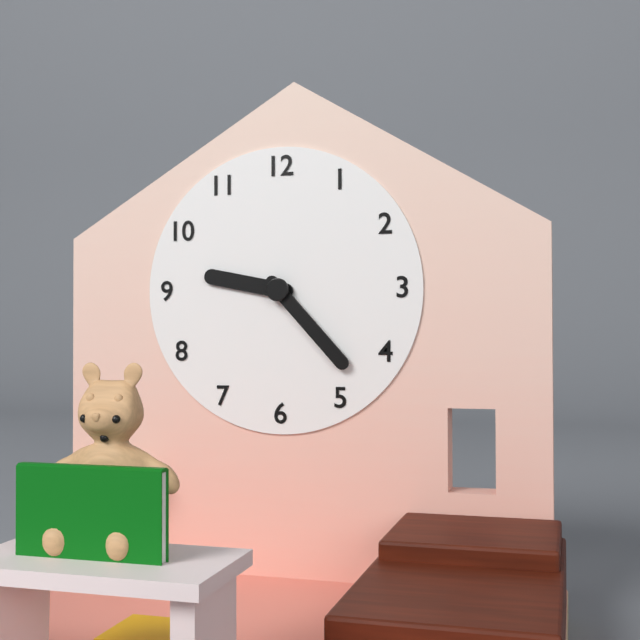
9:23
